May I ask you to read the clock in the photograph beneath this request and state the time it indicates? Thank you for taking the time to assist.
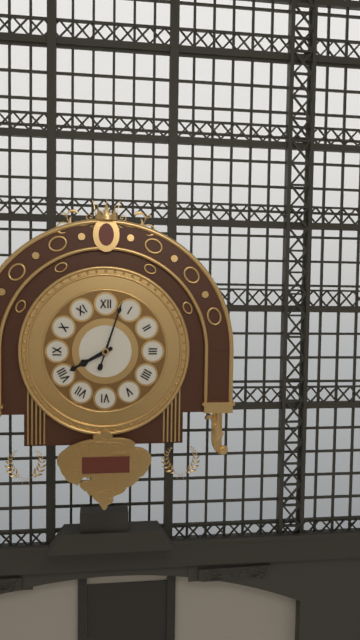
8:03
